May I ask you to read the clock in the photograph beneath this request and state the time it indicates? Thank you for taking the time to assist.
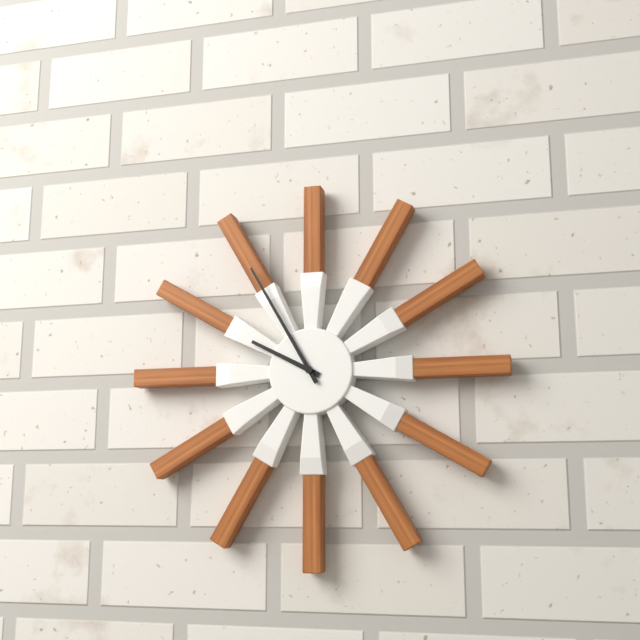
9:55
